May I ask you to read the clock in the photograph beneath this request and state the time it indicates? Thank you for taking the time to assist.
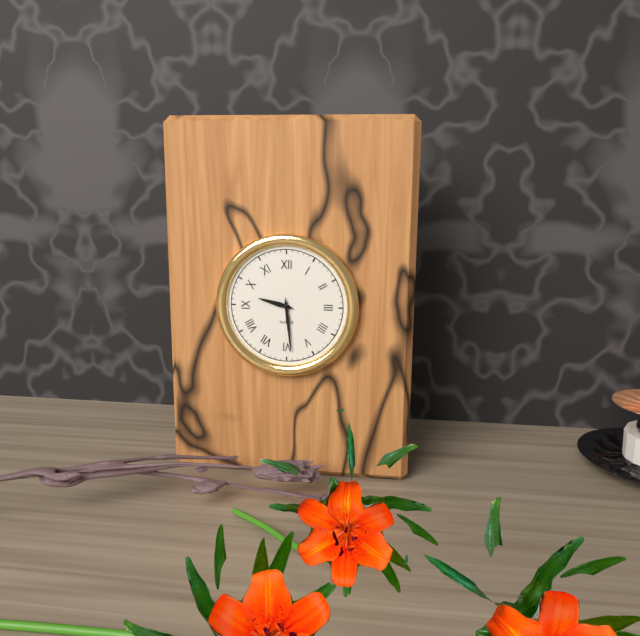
9:29
